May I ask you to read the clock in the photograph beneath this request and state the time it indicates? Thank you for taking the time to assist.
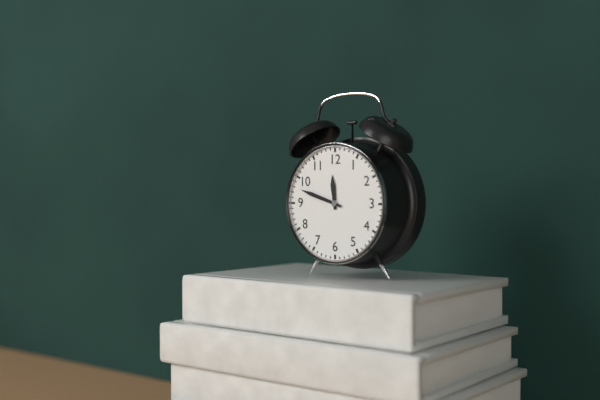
11:48
